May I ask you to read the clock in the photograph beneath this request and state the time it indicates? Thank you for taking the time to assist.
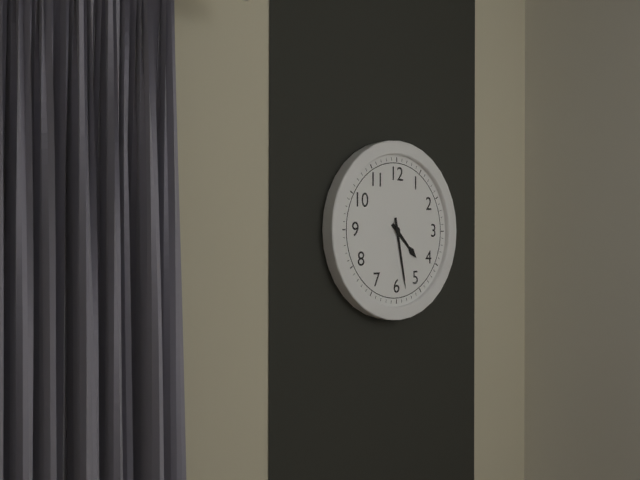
4:28
